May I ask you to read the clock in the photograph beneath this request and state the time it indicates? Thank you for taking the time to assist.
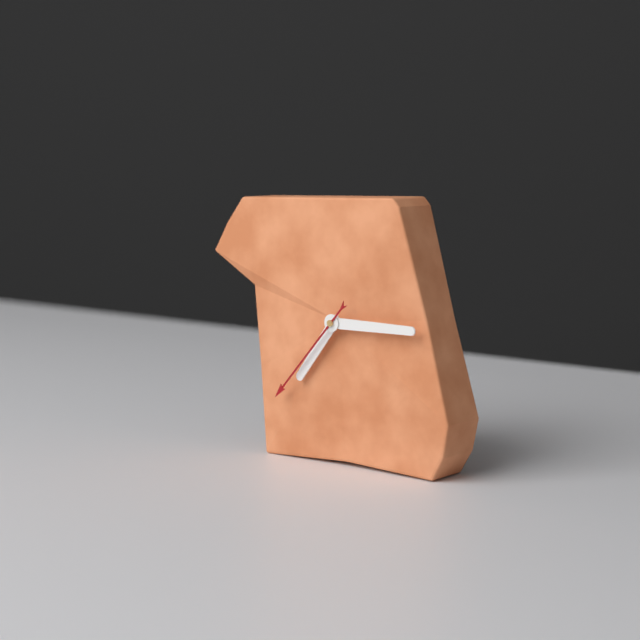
7:15:37
